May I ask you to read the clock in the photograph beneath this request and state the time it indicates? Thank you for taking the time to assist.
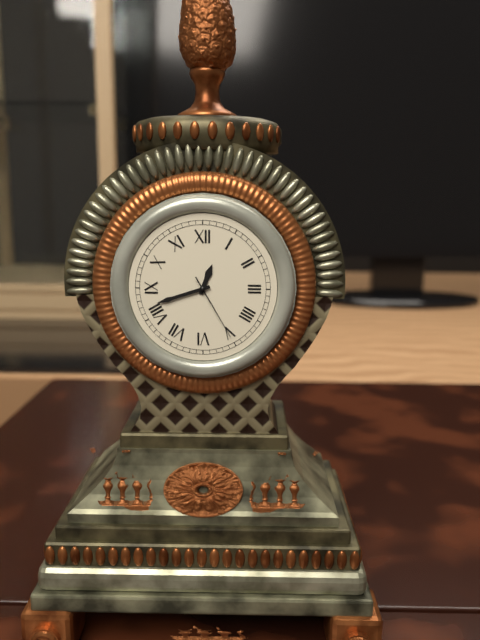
12:42:25
